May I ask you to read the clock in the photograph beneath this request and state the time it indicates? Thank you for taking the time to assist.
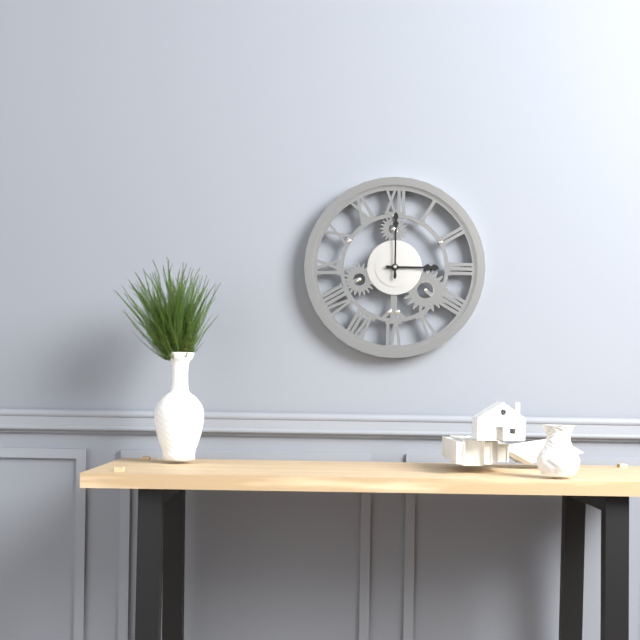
3:00
